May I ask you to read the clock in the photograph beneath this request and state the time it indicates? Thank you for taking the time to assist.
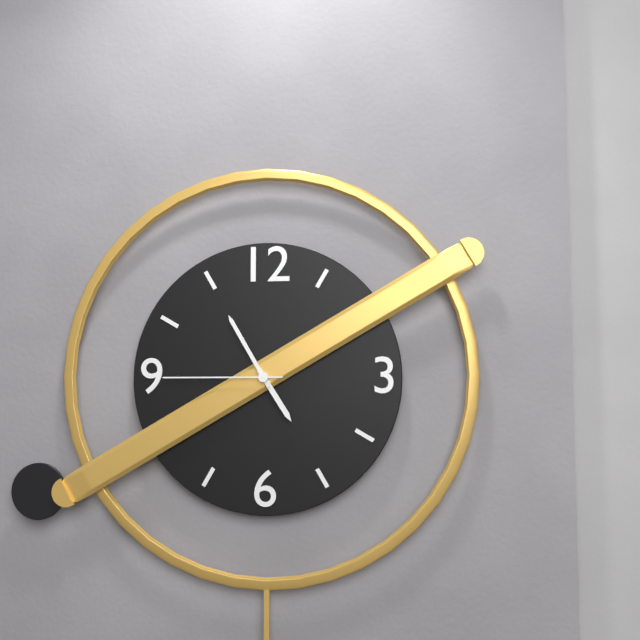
4:55:45
